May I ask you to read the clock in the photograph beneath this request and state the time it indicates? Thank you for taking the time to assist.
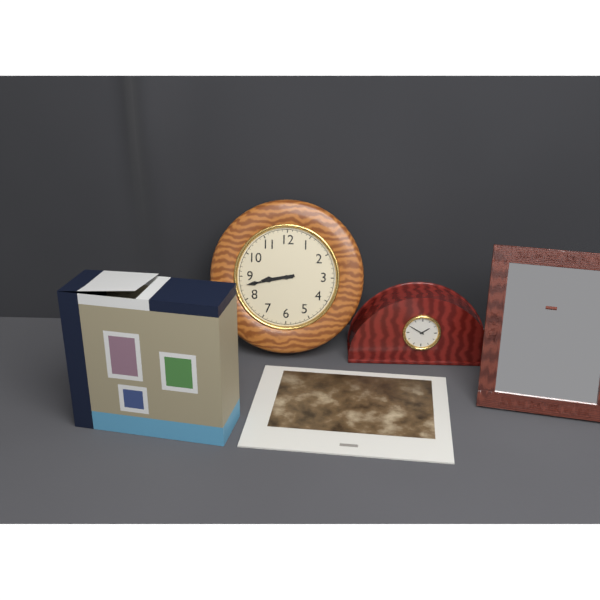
8:43
